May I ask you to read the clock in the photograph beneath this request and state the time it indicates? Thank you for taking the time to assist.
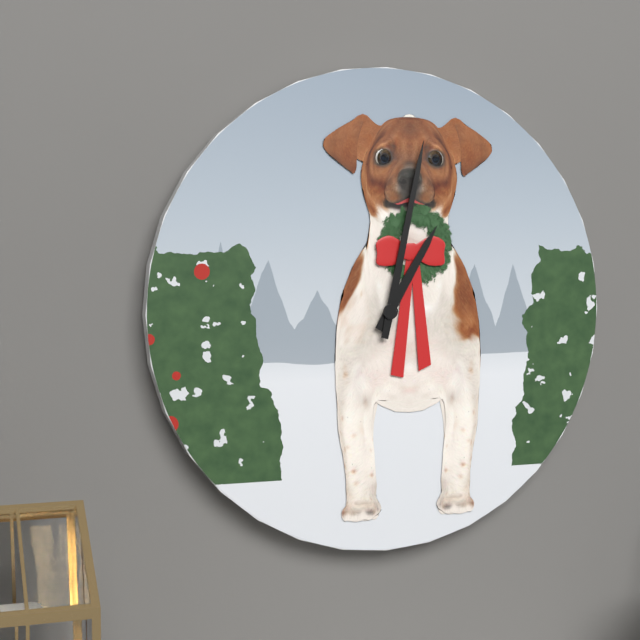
1:02
